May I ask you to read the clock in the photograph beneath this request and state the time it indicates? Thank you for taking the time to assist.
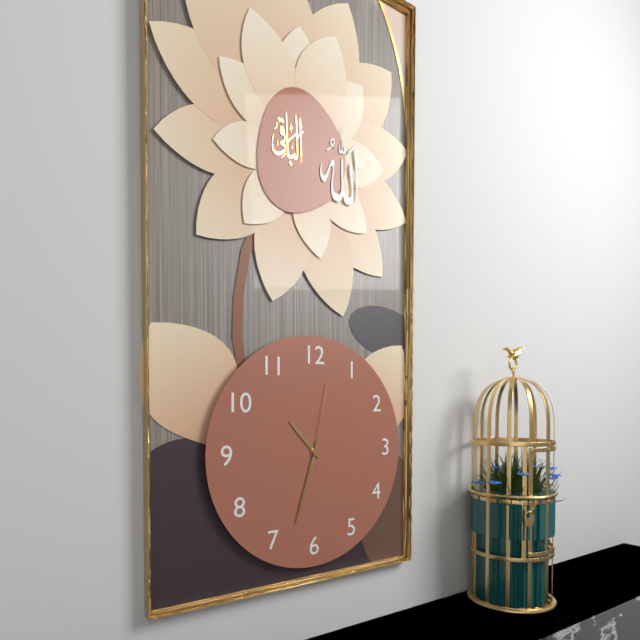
10:33:02
